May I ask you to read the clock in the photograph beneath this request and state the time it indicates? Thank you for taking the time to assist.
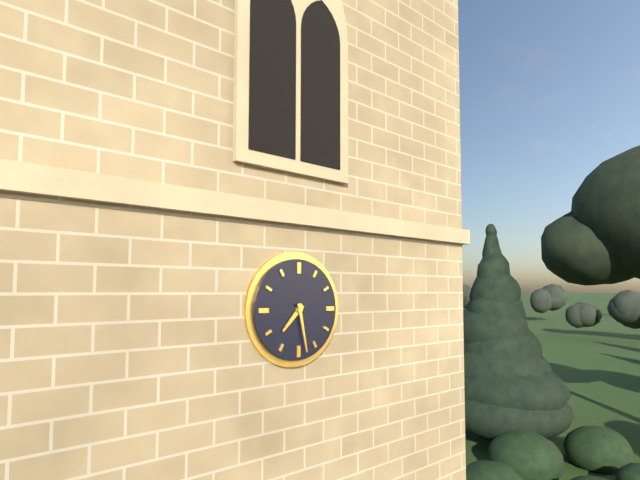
7:28
